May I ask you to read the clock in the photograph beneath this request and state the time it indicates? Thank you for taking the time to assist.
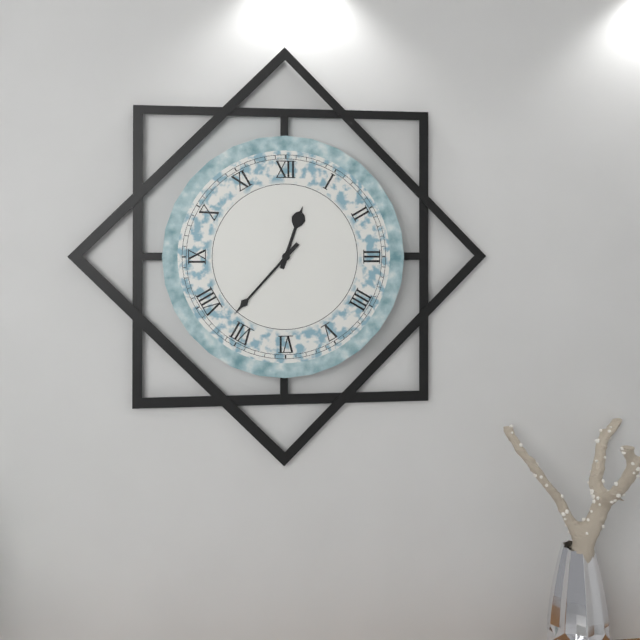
12:37
